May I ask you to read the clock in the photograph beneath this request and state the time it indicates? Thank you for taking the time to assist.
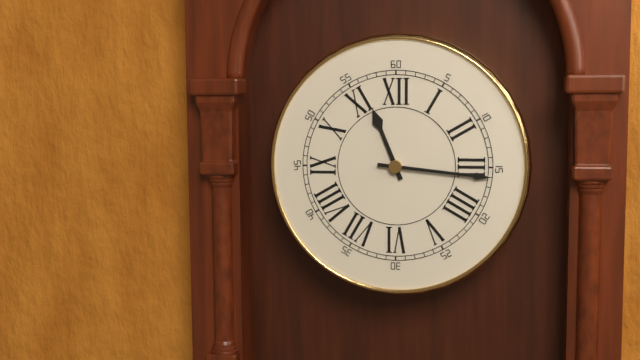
11:16
